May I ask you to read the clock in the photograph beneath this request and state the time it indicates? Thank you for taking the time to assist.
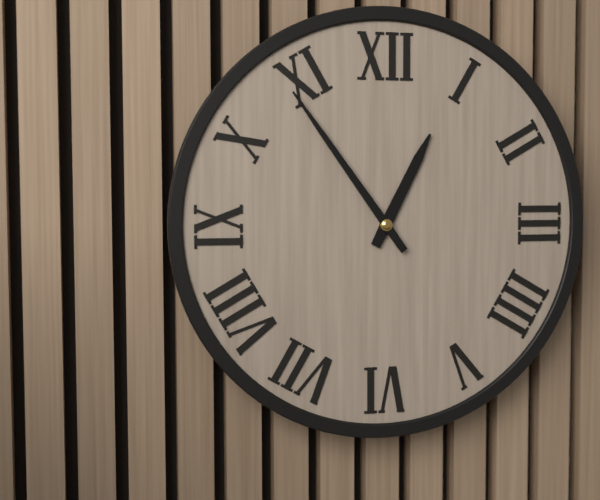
12:54
